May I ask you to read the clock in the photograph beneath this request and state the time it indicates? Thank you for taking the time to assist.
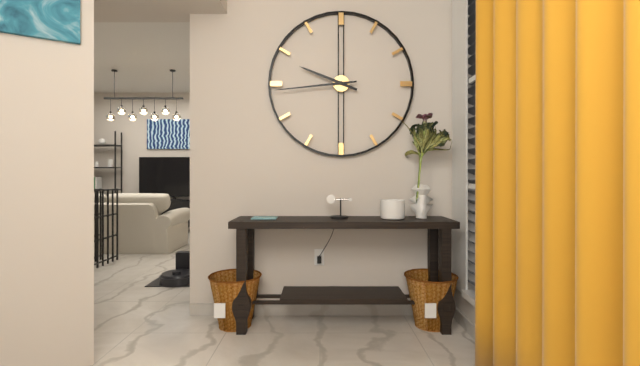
9:44
